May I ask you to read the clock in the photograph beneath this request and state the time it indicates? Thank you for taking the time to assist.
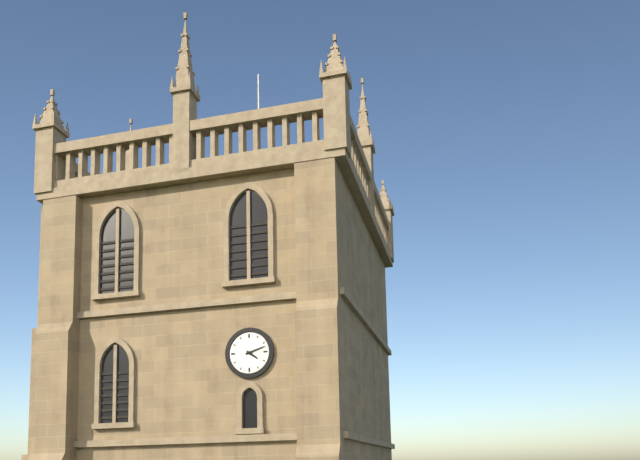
4:12
